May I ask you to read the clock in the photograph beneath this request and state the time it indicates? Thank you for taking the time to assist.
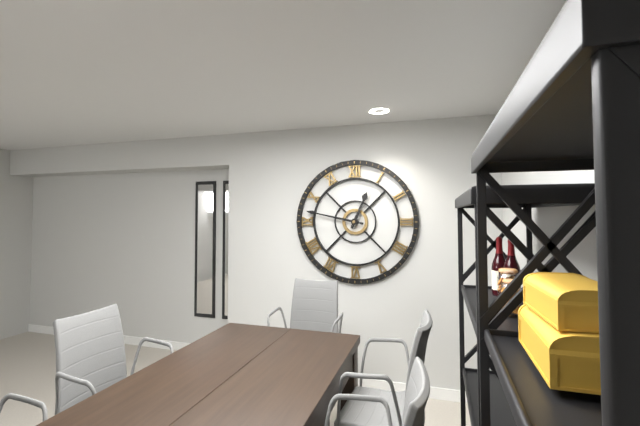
12:47
